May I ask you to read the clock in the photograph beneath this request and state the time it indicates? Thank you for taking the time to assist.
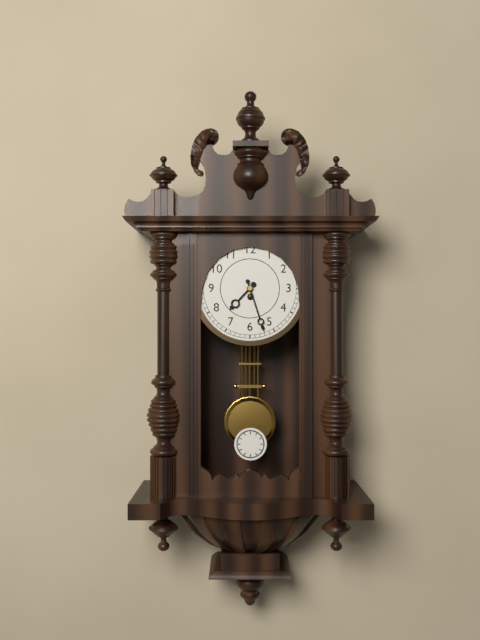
7:27
